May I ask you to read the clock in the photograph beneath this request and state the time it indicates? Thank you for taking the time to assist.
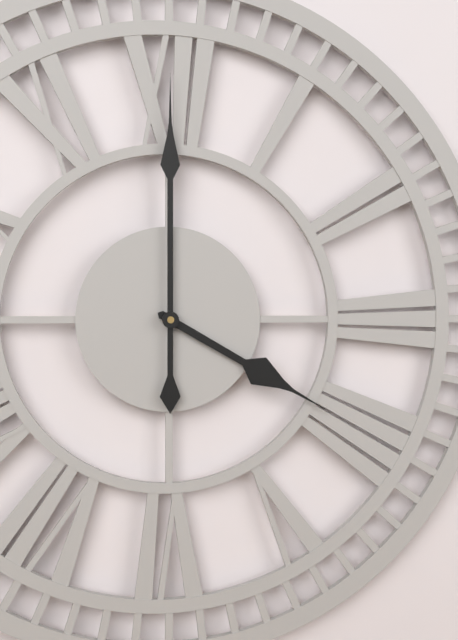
4:00
